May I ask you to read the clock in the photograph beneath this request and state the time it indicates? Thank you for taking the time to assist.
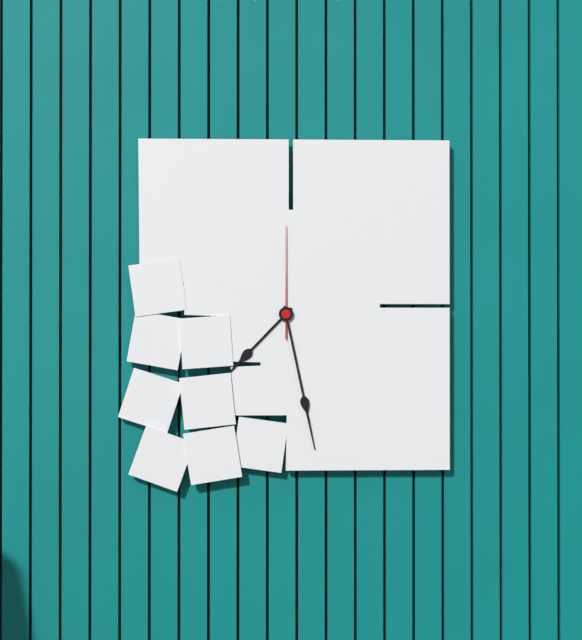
7:28:00
